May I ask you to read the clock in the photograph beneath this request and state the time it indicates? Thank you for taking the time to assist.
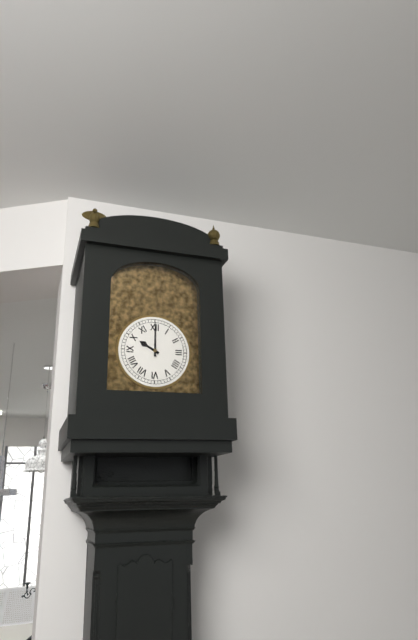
10:00
